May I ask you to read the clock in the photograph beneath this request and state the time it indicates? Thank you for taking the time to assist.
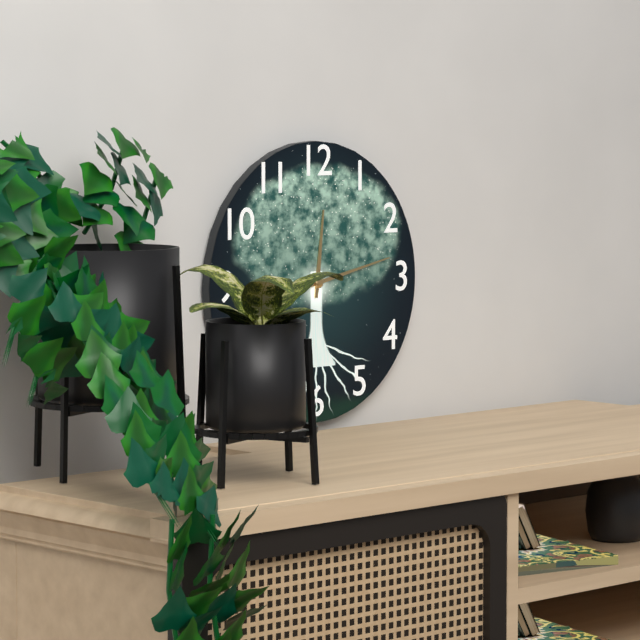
12:13
